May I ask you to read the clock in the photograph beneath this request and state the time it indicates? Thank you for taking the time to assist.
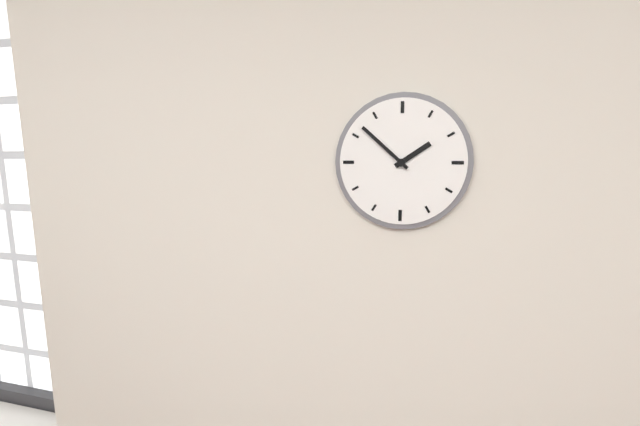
1:52
